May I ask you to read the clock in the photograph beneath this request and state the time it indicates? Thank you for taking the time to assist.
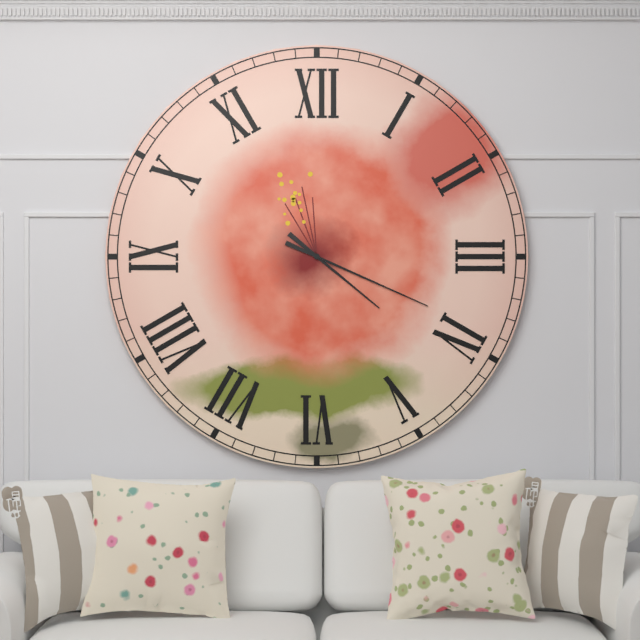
4:19
